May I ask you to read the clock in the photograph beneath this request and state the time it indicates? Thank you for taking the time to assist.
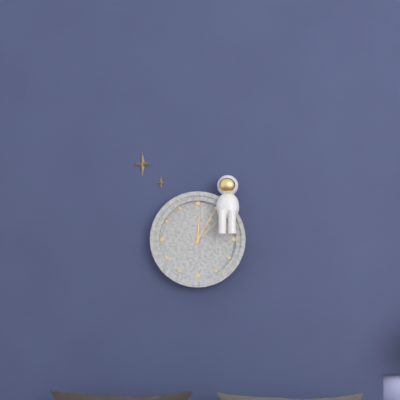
12:05
